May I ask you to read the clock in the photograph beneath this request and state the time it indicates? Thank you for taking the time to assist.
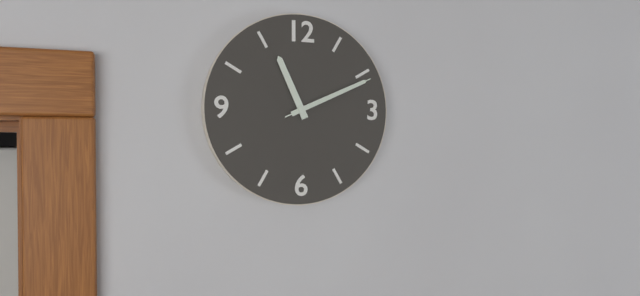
11:11:11
